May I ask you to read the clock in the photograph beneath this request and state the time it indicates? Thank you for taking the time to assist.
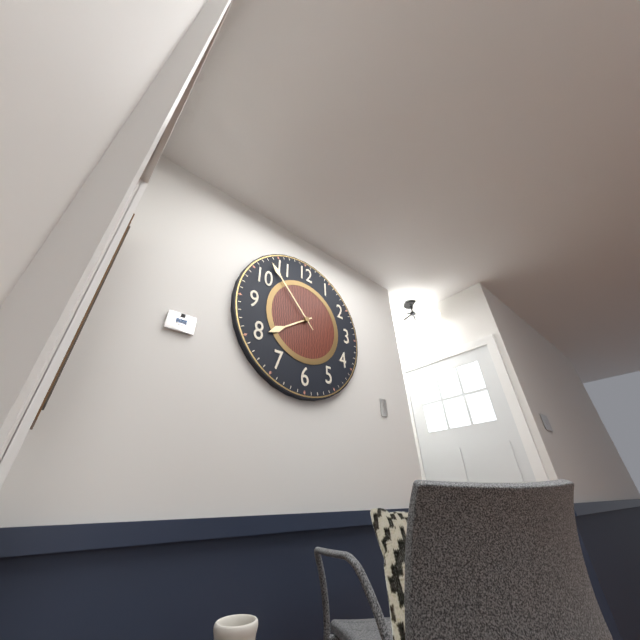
7:53
